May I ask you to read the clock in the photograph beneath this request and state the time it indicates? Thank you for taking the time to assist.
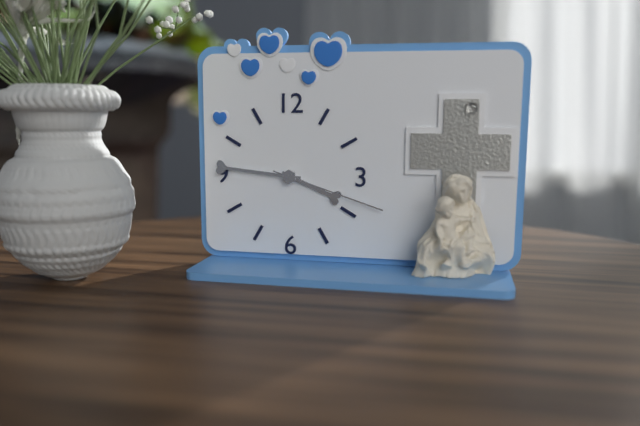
3:46:18
